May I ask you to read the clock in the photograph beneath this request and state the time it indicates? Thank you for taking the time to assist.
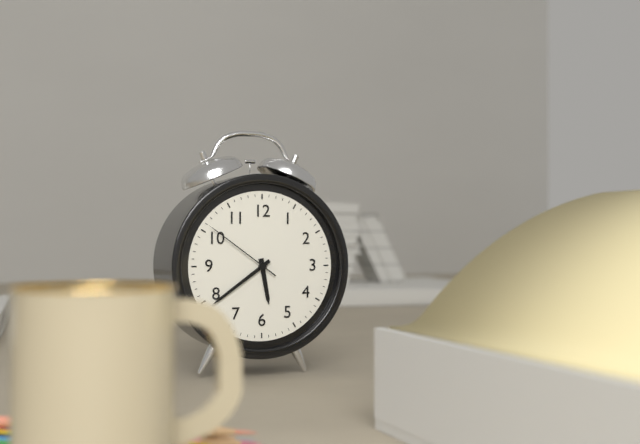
5:39:51
